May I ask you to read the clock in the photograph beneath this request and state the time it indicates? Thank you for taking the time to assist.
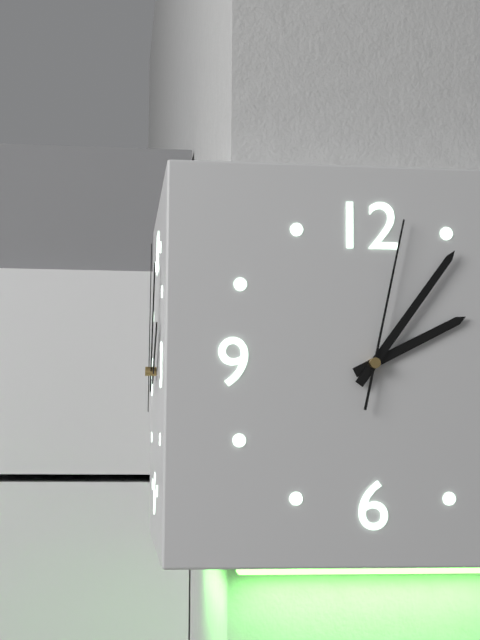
2:06:02
